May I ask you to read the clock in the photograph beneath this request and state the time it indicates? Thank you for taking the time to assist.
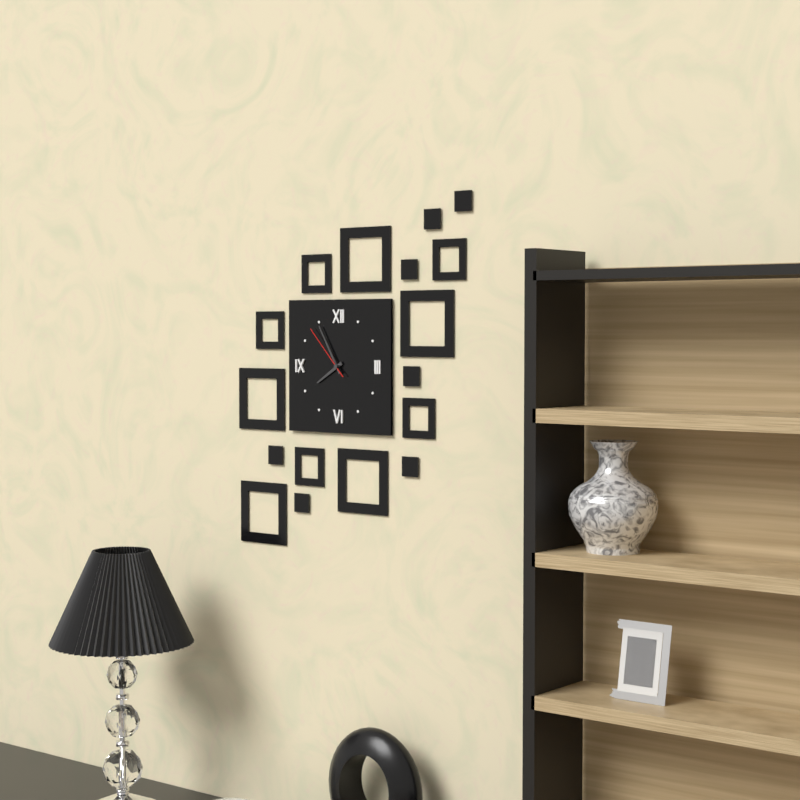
7:55:53
